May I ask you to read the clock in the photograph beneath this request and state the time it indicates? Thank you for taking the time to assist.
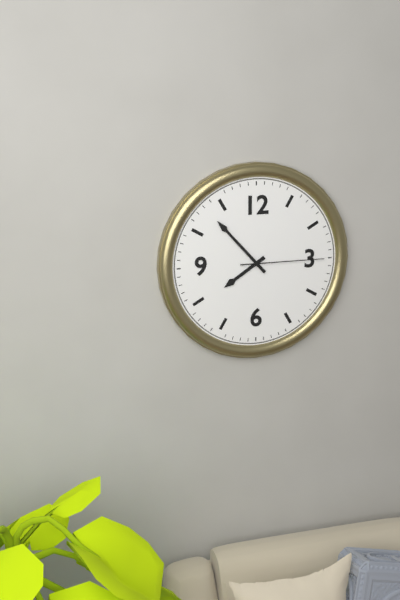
7:53:15
